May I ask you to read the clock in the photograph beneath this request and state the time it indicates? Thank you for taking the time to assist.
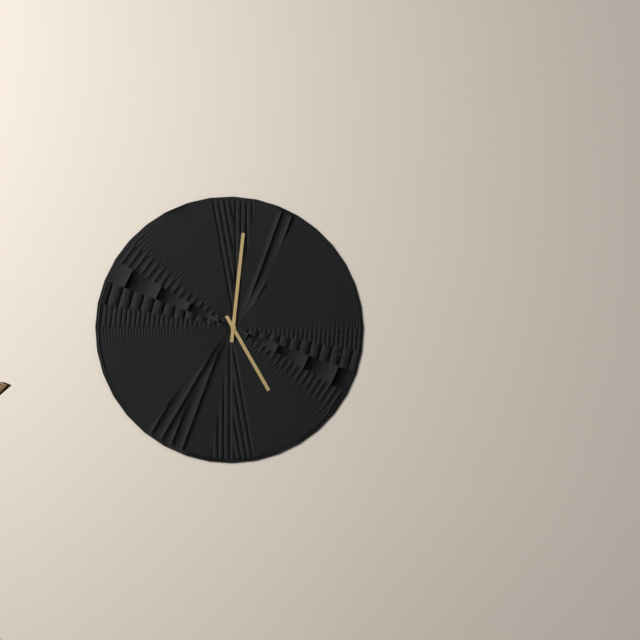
5:01
